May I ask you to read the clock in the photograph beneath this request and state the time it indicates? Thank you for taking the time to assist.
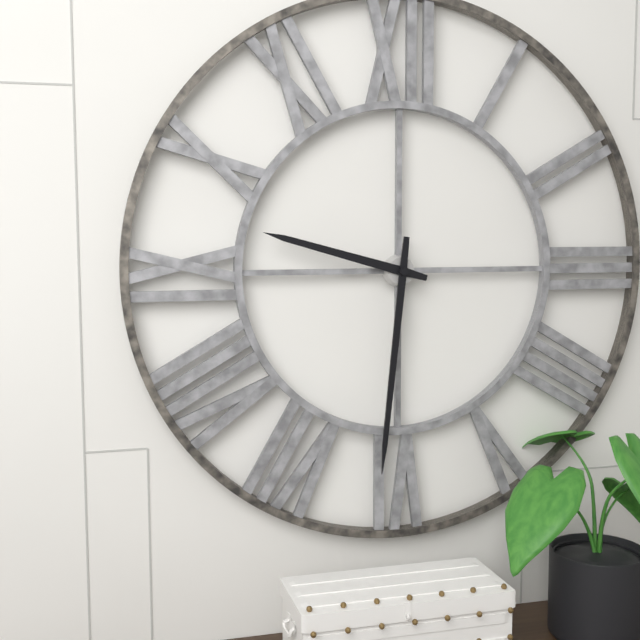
9:31
